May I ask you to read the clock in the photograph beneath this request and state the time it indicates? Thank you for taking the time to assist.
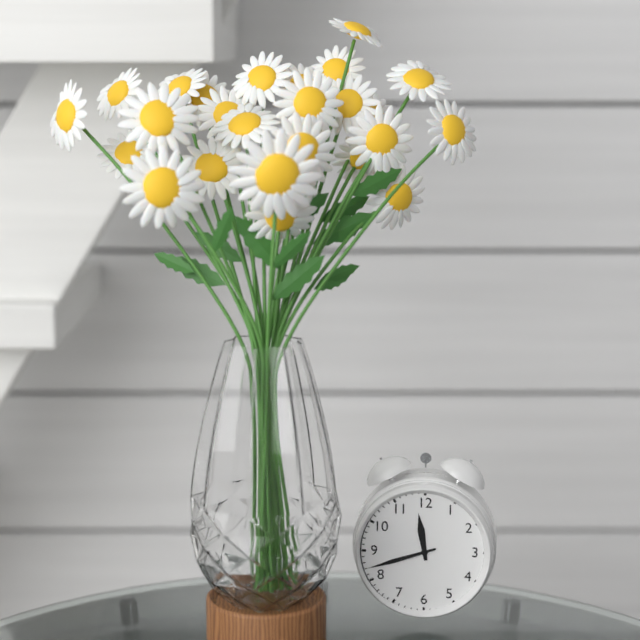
11:42
